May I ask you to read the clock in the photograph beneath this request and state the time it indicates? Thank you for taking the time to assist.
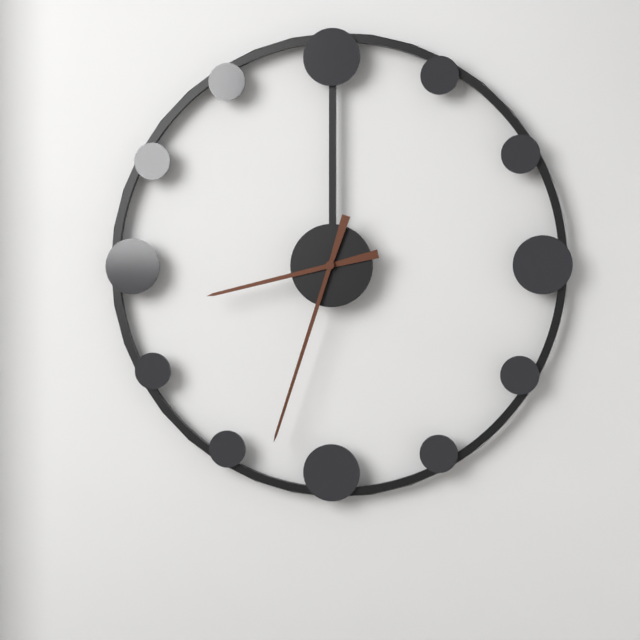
8:33
